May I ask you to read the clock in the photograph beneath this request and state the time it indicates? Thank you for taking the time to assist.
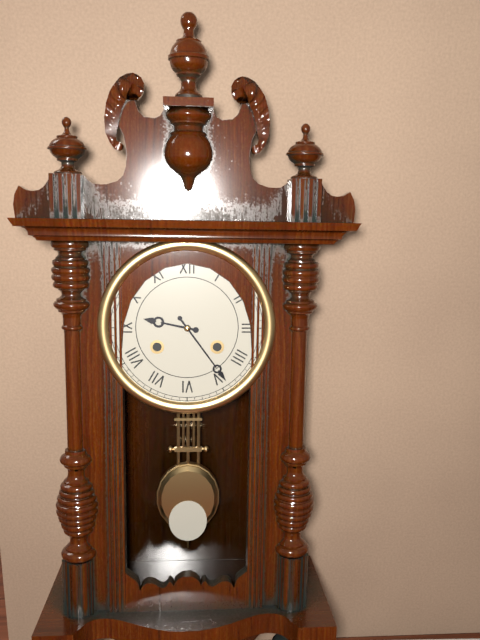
9:24
